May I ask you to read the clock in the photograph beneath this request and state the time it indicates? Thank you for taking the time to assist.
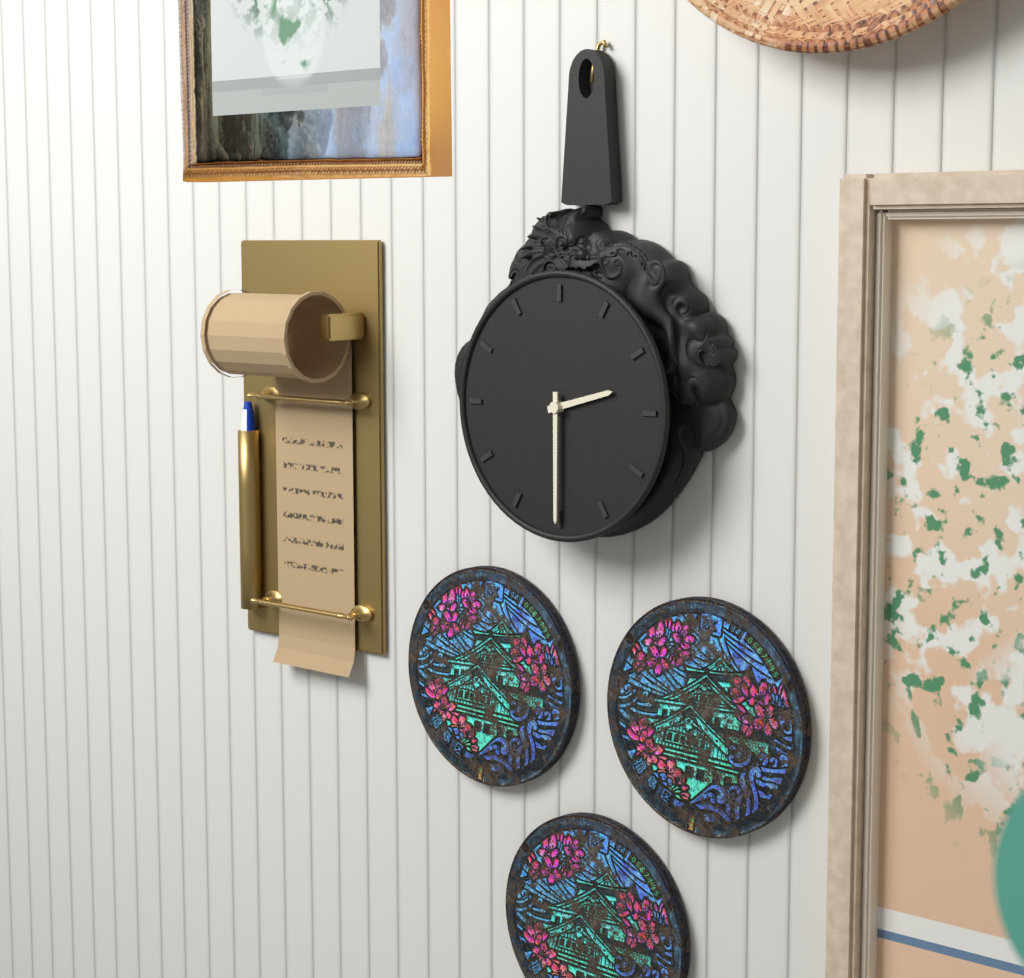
2:30
